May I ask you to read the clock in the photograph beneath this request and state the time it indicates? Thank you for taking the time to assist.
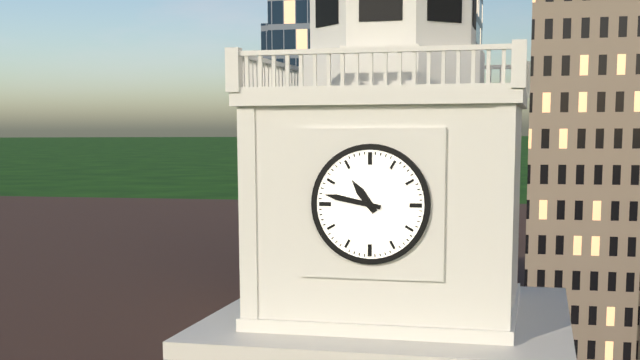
10:47
